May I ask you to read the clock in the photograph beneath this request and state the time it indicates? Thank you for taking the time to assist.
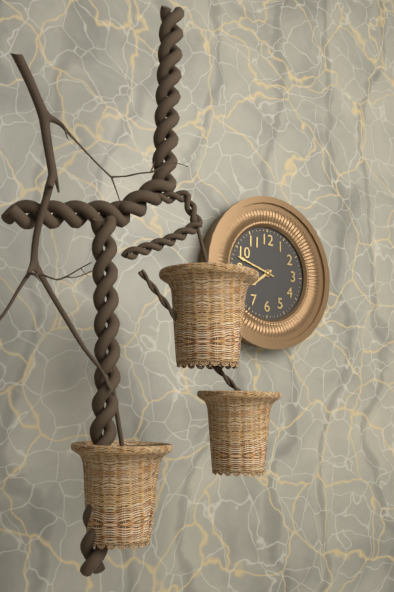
7:48
